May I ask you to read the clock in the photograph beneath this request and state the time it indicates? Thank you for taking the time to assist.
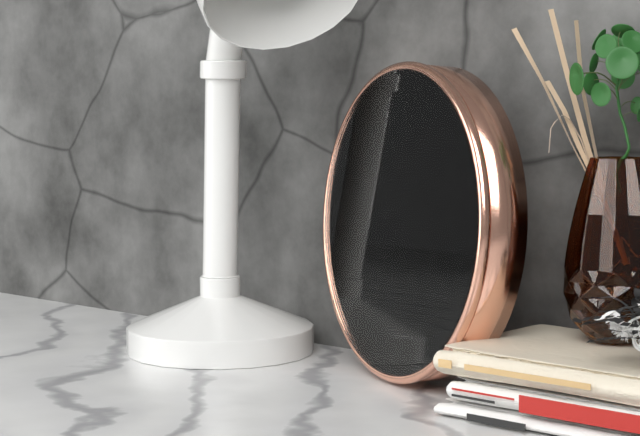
5:11:22
